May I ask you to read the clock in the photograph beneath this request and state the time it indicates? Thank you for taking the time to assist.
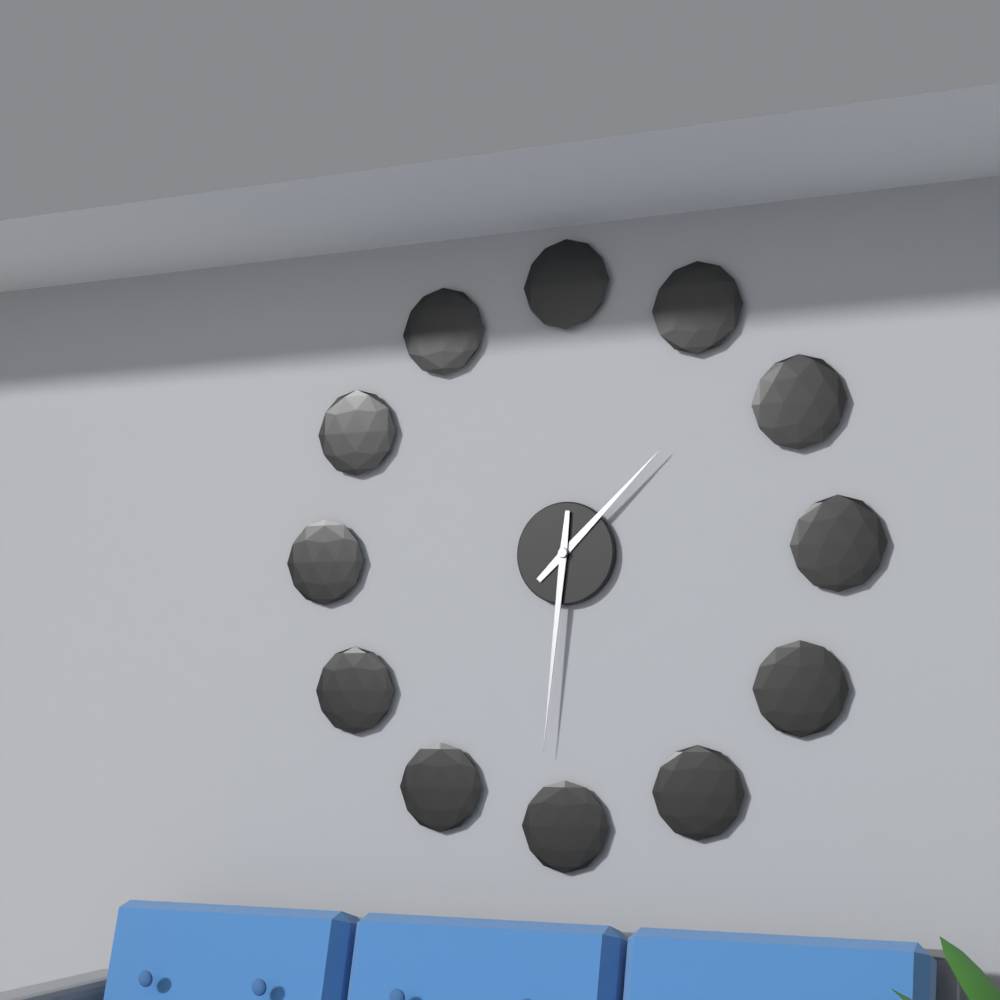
1:31
